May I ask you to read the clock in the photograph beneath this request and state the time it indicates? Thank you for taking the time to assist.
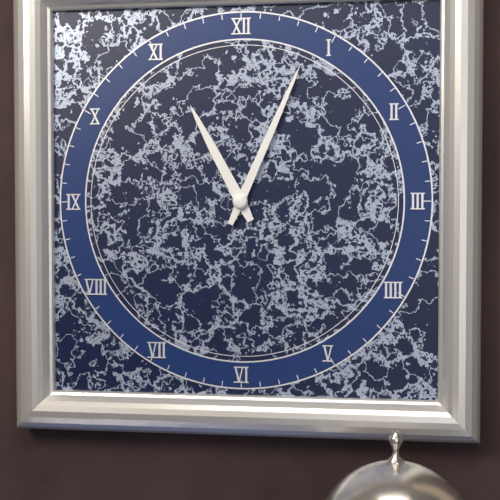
11:04
